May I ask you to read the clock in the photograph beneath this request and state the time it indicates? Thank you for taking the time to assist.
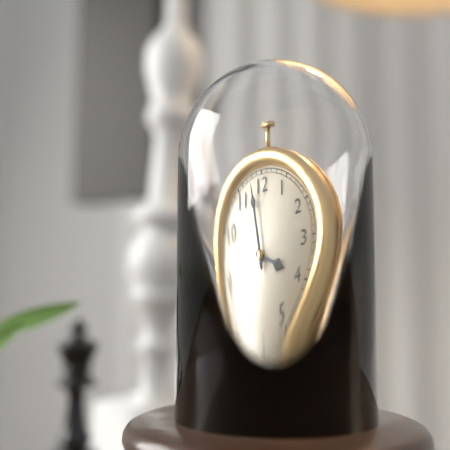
3:58
